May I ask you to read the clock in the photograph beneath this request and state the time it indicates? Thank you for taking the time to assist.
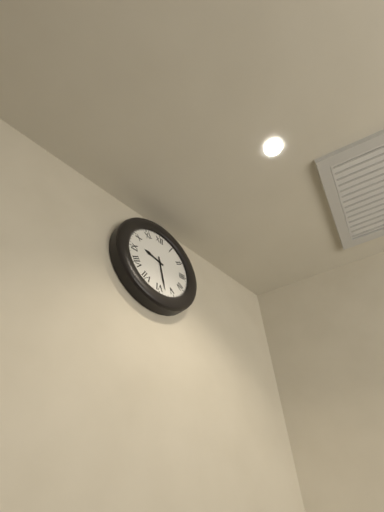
9:28
